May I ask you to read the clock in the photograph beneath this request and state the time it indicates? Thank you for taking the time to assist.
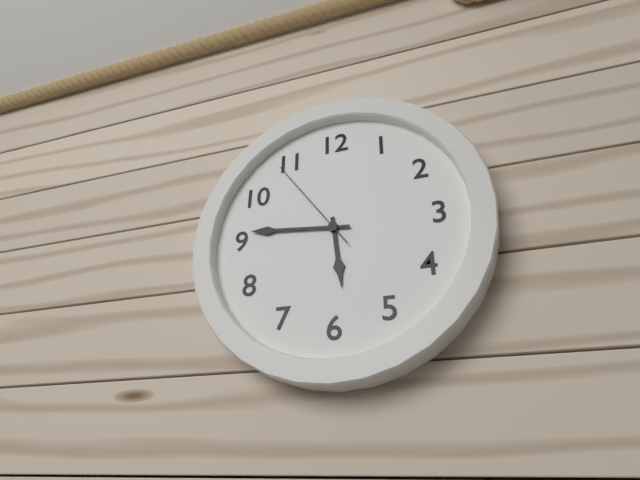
5:46:54
